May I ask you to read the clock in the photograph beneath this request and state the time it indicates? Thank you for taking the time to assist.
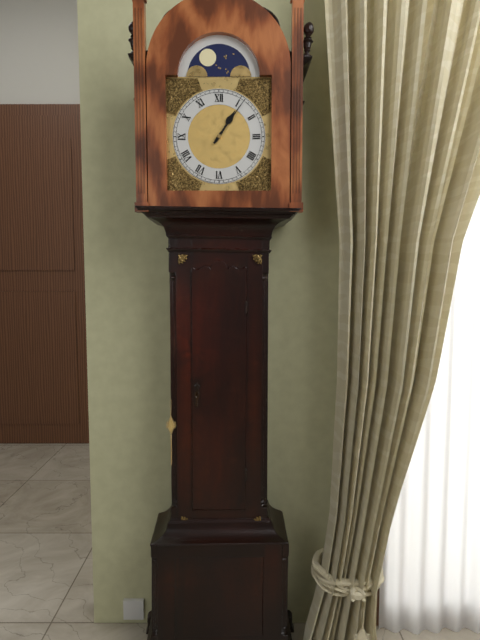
1:06
